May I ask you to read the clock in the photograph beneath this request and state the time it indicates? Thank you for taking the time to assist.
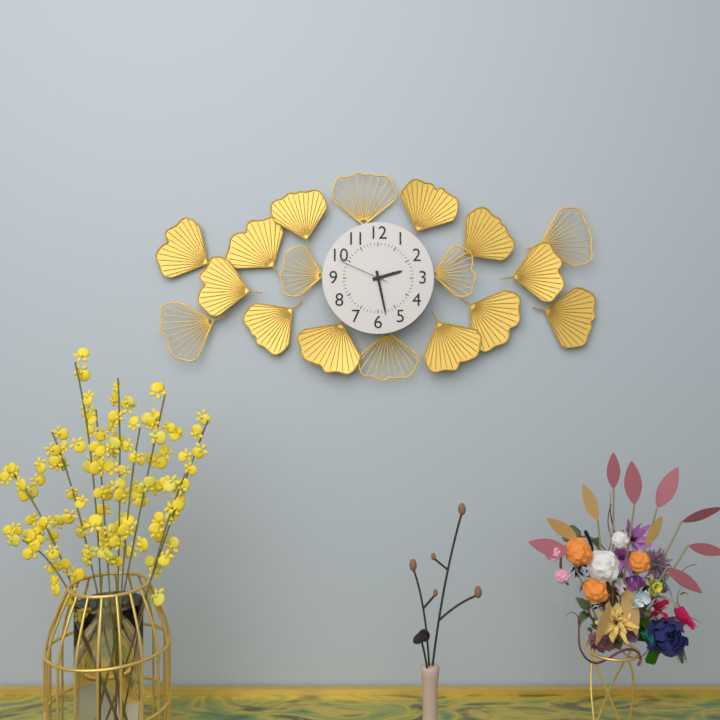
2:28:49
